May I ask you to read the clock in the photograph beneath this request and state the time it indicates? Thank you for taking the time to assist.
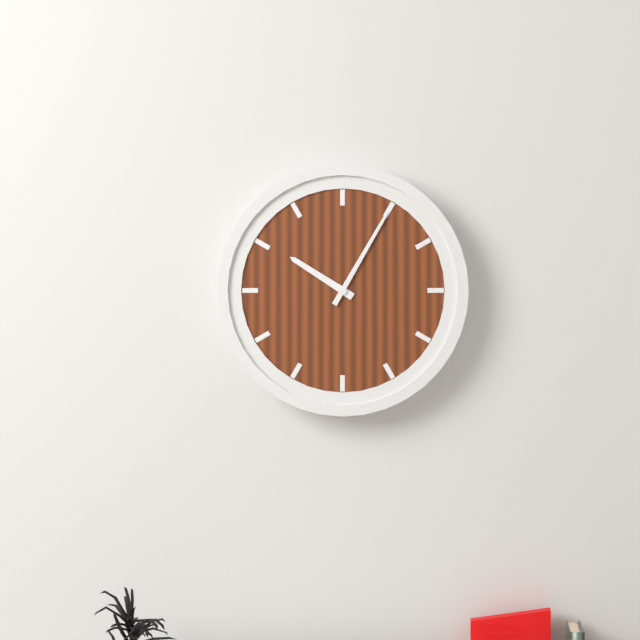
10:05
